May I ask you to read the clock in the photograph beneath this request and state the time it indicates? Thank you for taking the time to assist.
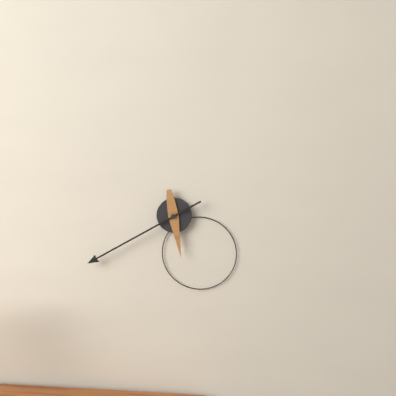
5:40
